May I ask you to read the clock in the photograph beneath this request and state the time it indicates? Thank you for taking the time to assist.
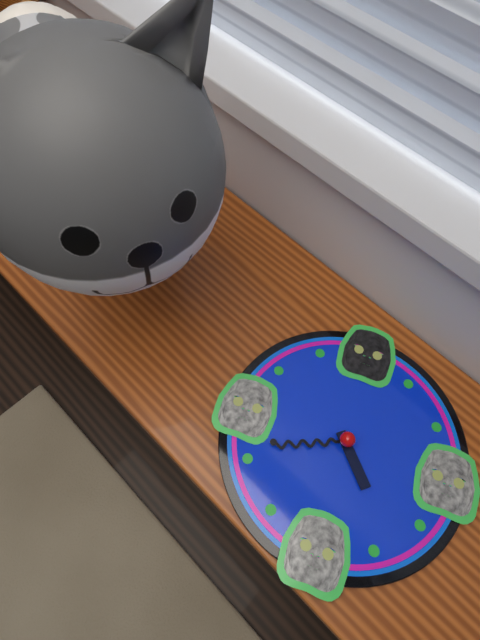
4:41
